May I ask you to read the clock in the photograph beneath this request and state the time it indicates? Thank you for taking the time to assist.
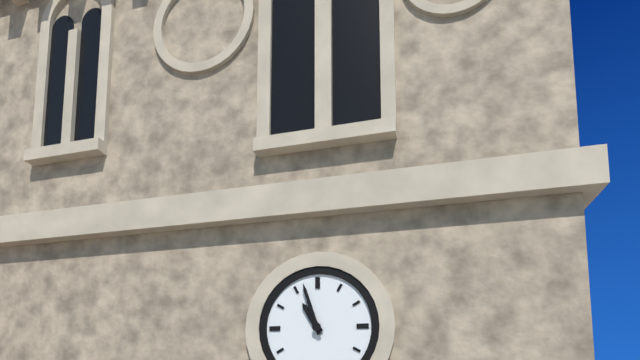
10:57
